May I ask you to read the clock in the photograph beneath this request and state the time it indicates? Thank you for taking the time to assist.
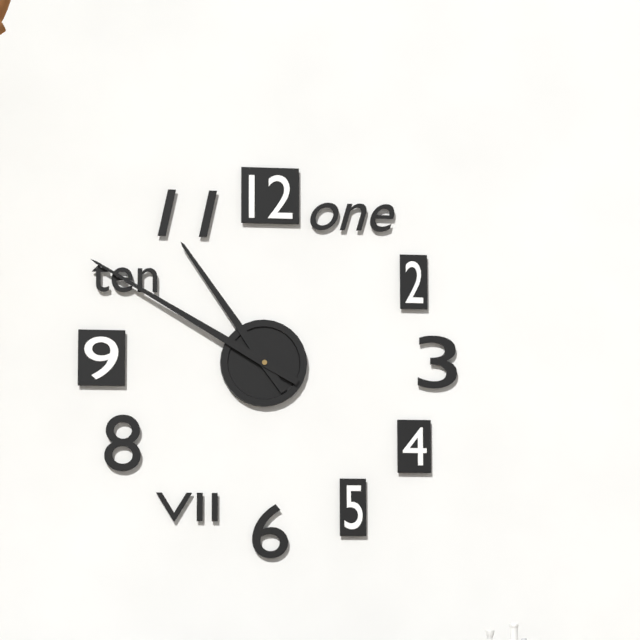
10:50
